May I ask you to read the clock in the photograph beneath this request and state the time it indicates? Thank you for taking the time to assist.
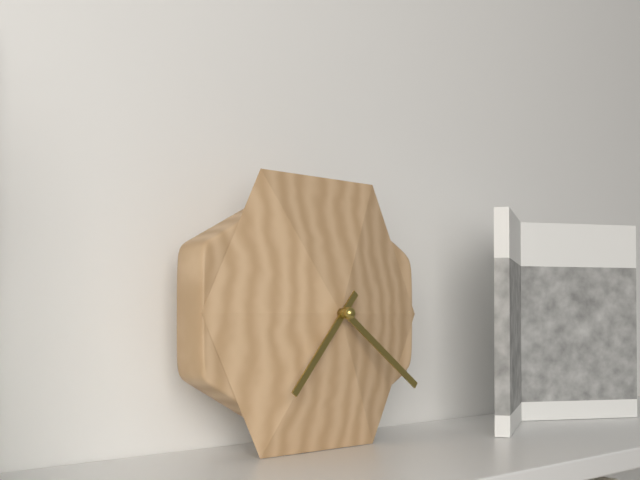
7:21
